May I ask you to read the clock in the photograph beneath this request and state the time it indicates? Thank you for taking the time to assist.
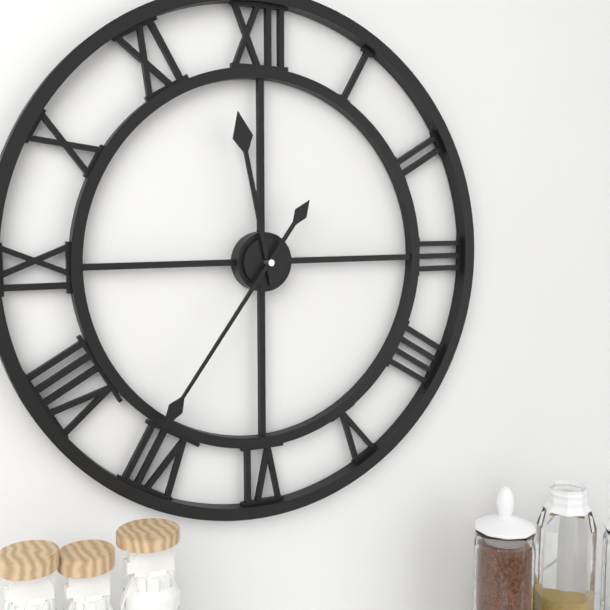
11:36
